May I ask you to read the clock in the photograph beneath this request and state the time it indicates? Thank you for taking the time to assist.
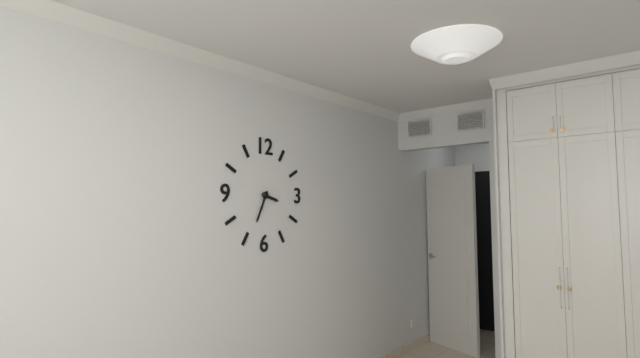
3:34
